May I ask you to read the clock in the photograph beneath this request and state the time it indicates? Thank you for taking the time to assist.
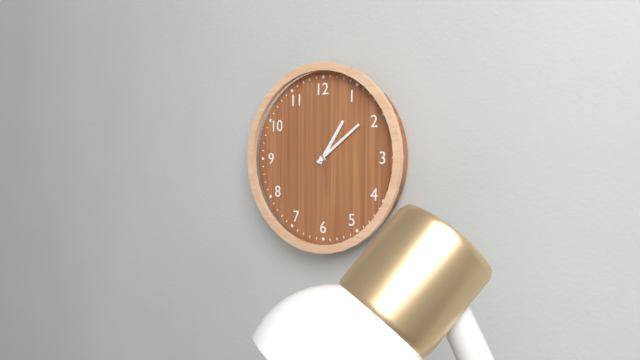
1:09
